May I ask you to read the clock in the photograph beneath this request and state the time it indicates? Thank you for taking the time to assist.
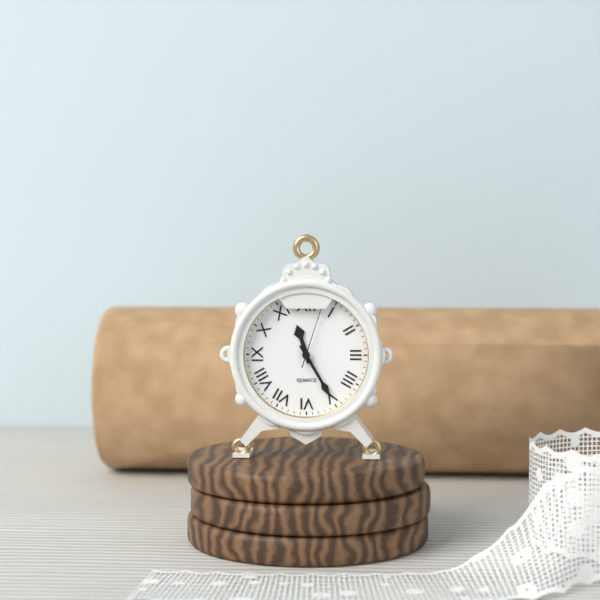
11:25:03
